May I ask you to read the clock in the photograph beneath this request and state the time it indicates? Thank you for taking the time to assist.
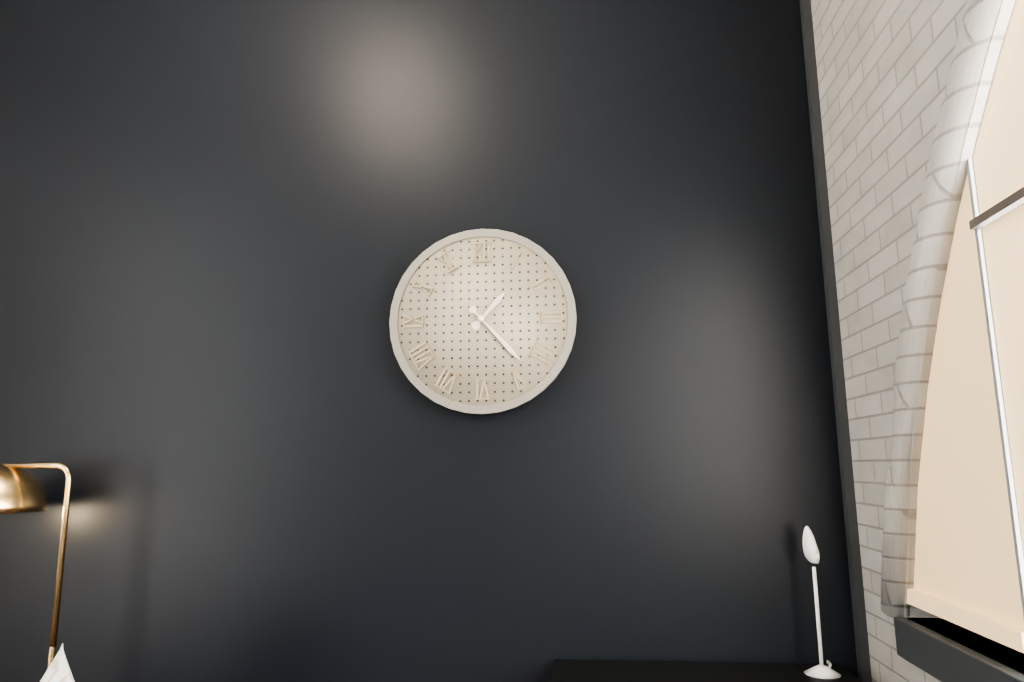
1:23
